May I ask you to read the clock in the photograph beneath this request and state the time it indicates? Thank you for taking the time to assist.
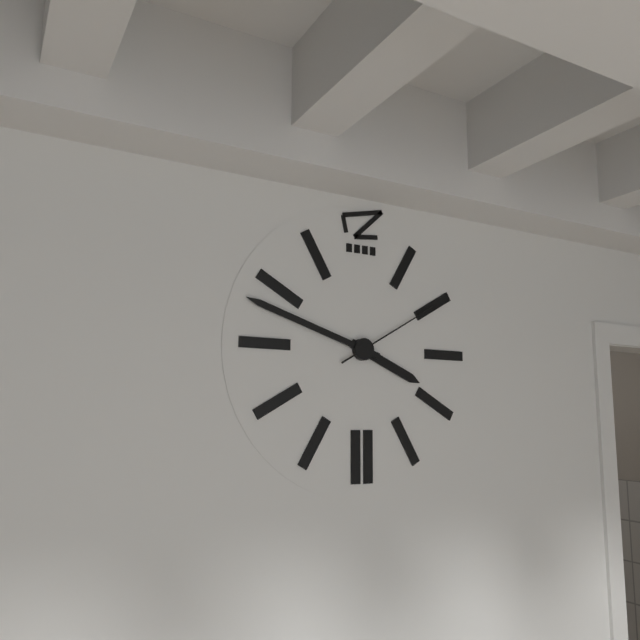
3:48:10
